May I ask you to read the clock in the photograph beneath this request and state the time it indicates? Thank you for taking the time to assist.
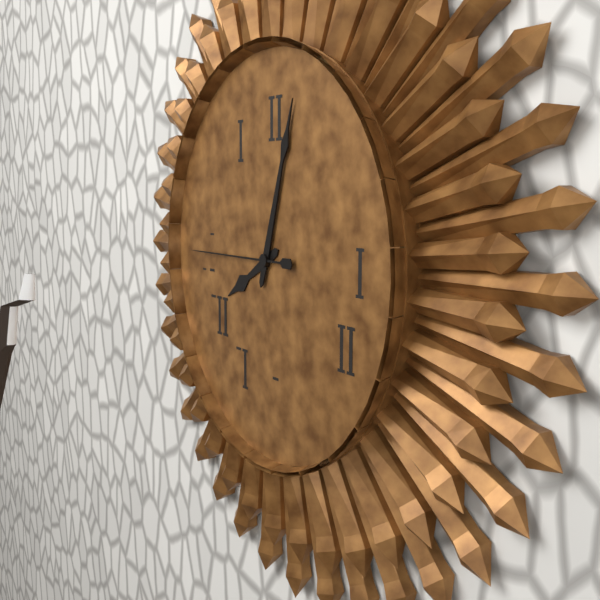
8:03:45
